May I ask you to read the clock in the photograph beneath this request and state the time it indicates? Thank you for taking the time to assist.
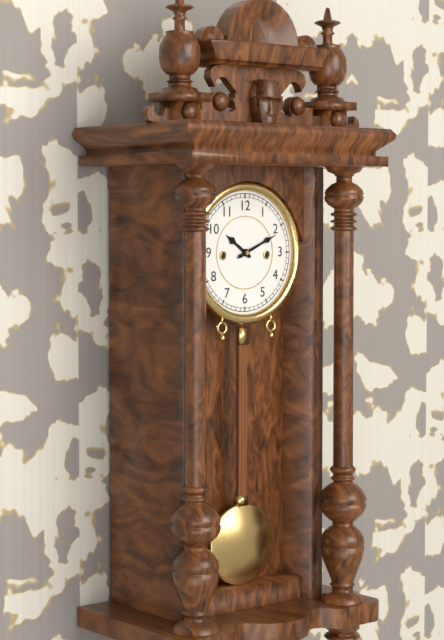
10:11
